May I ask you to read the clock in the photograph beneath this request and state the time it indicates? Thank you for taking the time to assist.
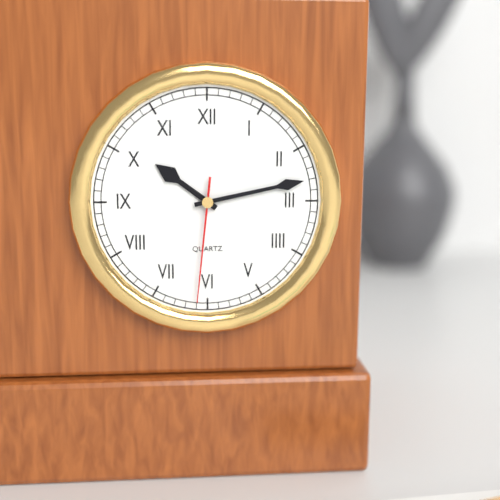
10:13:31
